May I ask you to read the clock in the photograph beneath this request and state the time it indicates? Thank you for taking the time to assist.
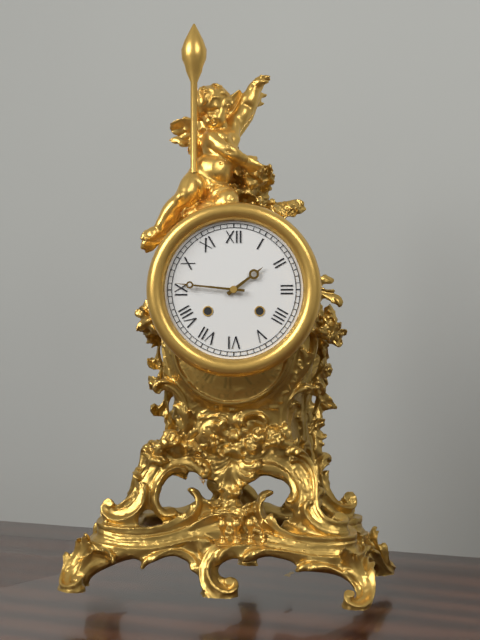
1:46
